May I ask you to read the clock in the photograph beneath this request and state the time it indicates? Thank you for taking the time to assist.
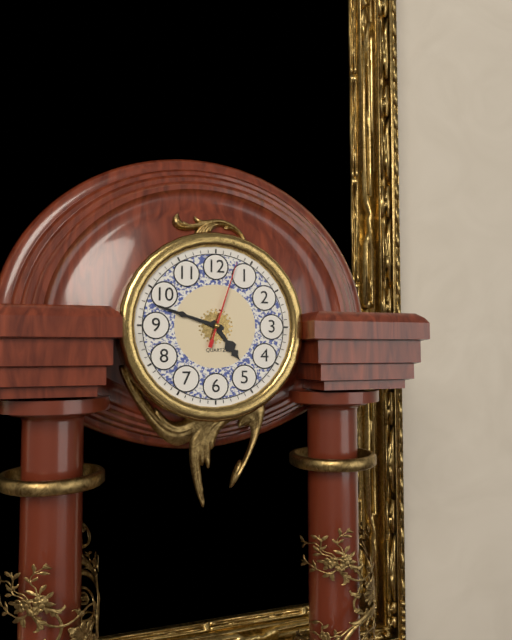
4:48:03
